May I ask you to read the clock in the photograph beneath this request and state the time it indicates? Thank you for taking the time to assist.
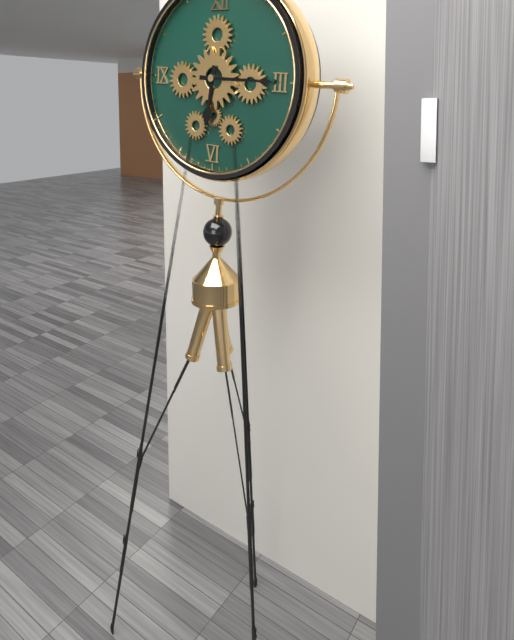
6:15
